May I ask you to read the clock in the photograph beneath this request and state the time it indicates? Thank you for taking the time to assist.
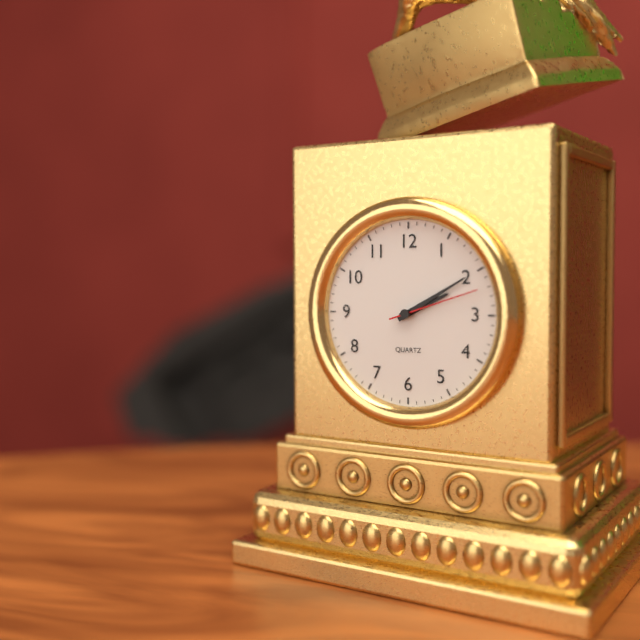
2:10:12
